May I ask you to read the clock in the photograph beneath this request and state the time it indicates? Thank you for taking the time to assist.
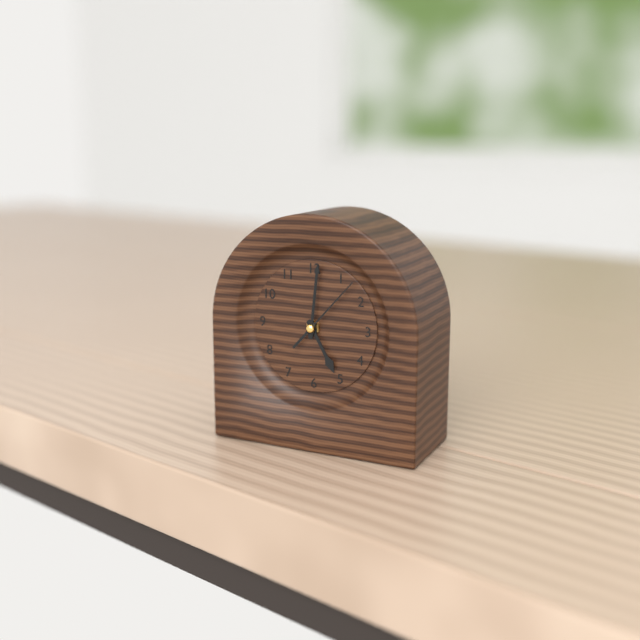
5:01:07
